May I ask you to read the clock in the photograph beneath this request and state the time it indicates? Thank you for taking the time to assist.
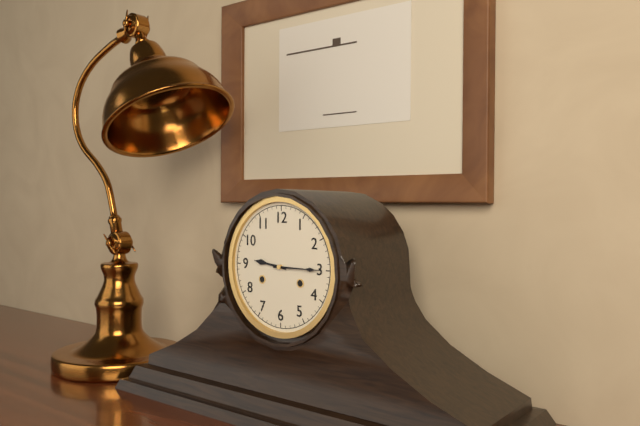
9:15
